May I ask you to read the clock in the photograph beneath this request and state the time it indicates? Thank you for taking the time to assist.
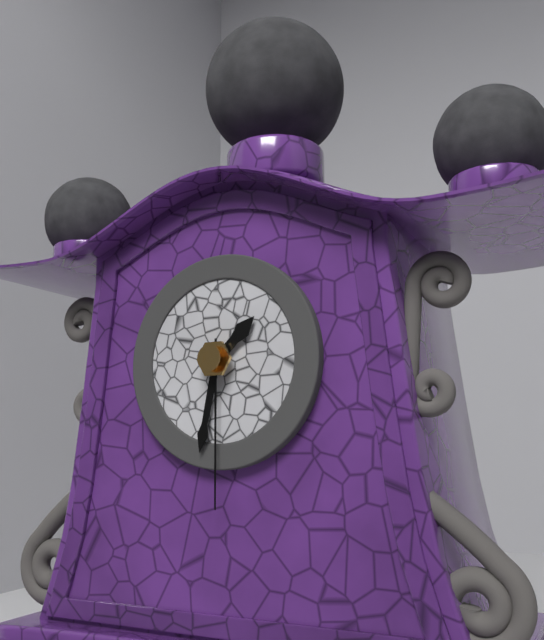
1:32:30
